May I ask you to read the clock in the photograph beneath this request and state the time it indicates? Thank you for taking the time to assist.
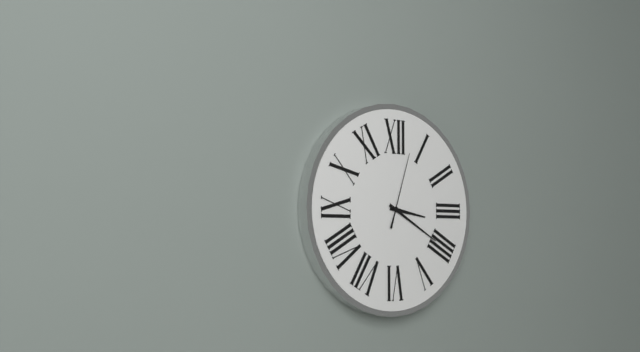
3:20:03
